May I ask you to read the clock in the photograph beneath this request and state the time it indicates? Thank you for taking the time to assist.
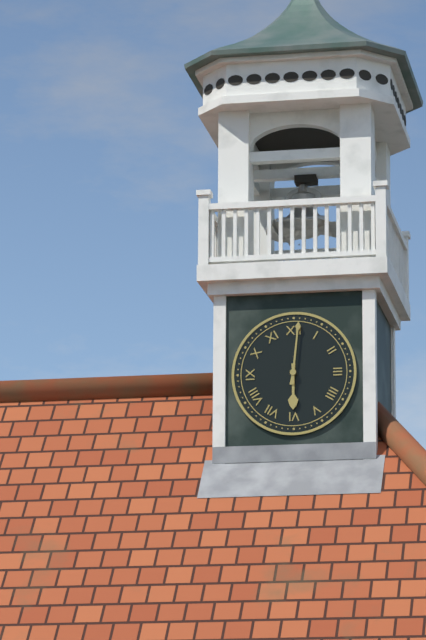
6:01
